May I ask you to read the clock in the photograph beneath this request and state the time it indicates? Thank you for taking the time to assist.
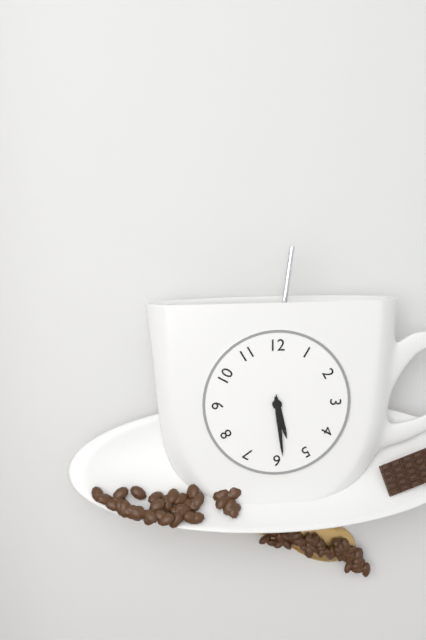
5:29
